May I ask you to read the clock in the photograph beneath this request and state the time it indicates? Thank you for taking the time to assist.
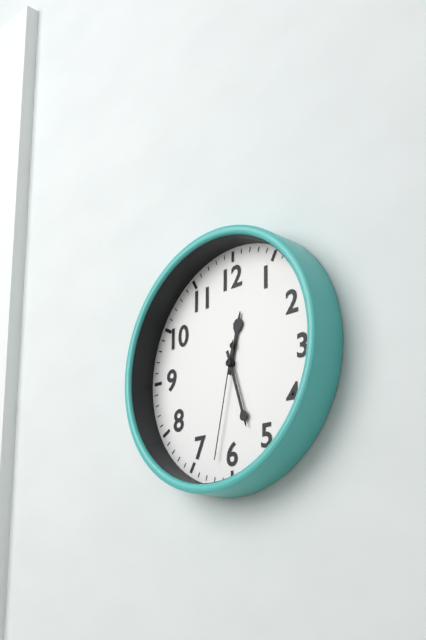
12:27:32
